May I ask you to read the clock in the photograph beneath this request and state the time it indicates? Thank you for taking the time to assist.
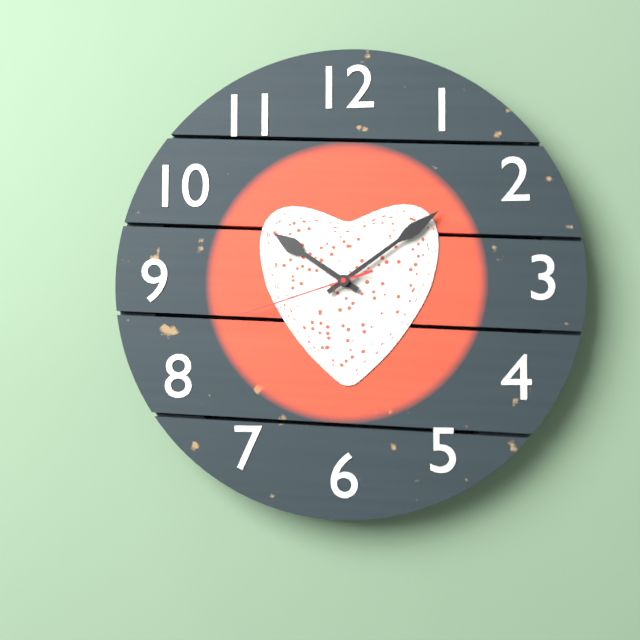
10:09:42
